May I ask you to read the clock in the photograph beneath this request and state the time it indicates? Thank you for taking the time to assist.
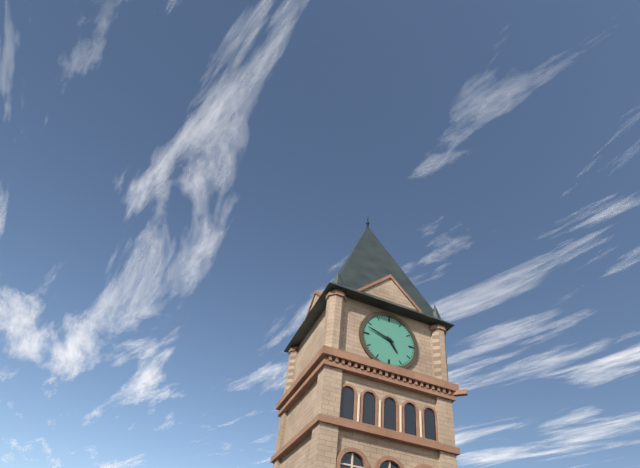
4:48
